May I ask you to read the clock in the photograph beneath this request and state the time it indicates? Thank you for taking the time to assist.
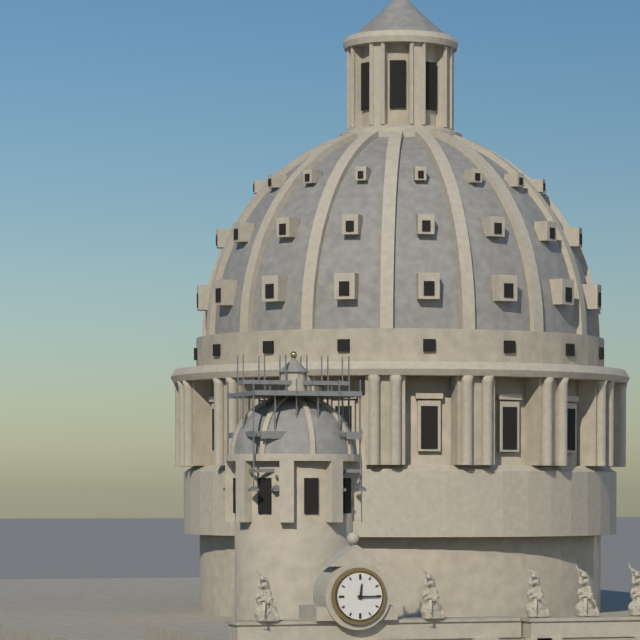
12:15
